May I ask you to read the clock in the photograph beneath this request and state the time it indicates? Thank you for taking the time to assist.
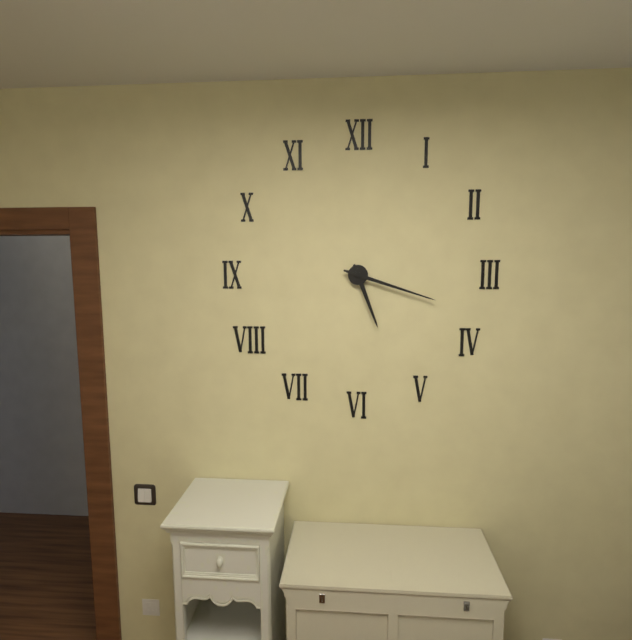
5:18
